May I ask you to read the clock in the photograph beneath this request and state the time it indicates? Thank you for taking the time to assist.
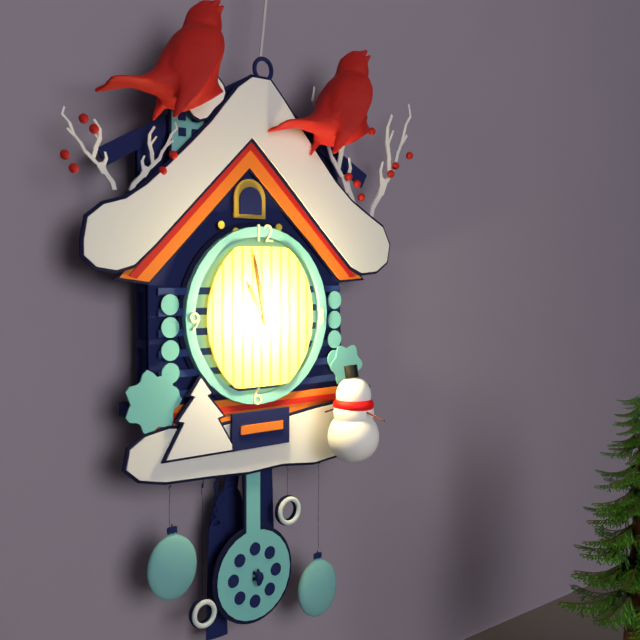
10:58
